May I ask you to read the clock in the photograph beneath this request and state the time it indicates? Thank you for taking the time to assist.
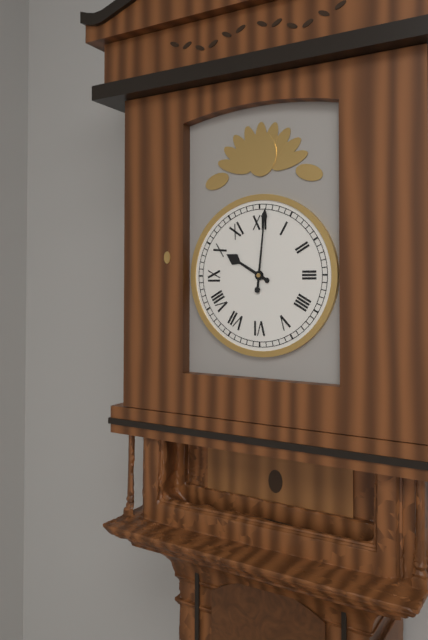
10:01
